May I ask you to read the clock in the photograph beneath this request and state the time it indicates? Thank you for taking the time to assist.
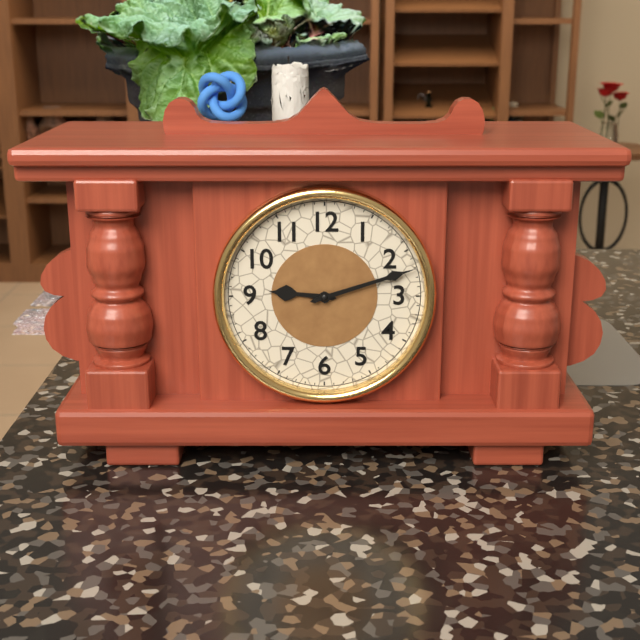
9:12
